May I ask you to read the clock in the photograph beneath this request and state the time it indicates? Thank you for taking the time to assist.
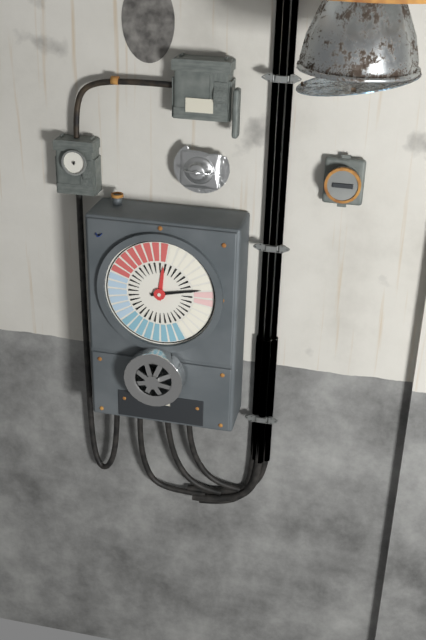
12:13
